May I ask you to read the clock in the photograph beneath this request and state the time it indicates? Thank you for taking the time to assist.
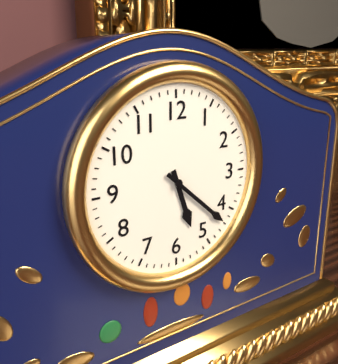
5:22
